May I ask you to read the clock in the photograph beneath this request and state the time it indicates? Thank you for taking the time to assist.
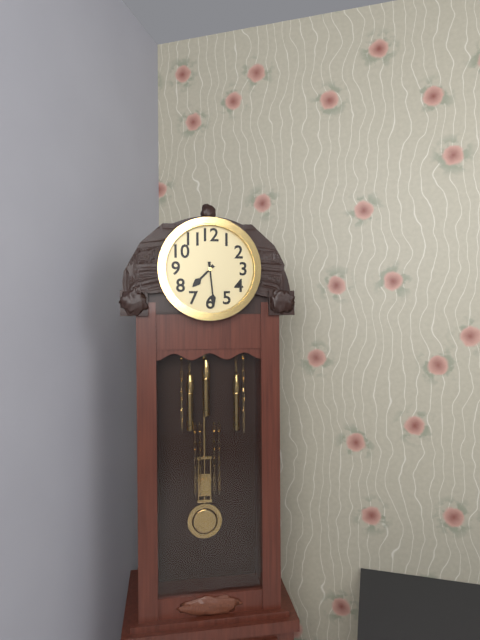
7:29
